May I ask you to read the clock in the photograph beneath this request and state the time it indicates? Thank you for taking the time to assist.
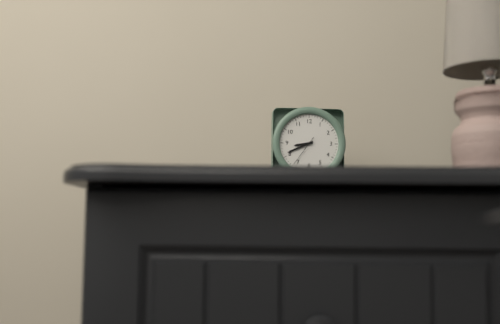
8:41
